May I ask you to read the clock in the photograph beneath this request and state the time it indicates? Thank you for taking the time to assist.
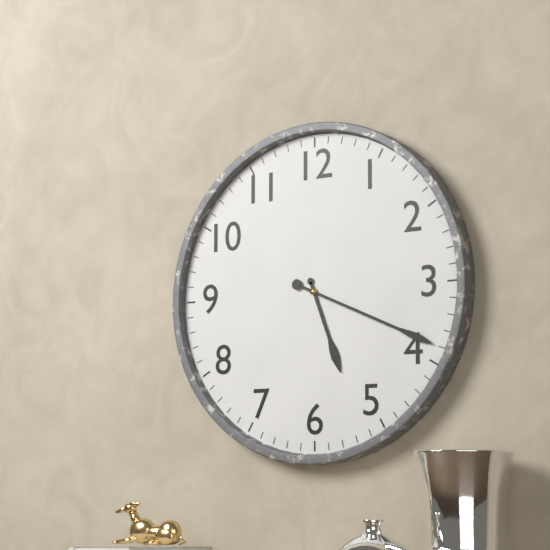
5:19
